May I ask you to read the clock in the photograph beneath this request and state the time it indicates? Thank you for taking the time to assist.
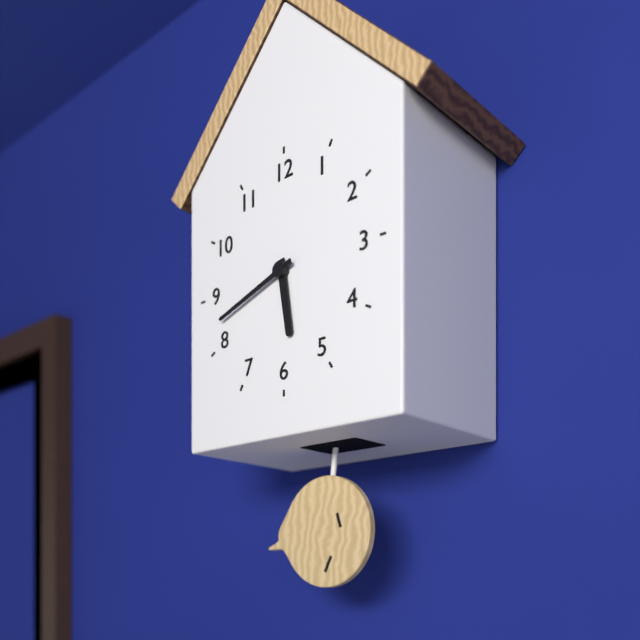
5:42
